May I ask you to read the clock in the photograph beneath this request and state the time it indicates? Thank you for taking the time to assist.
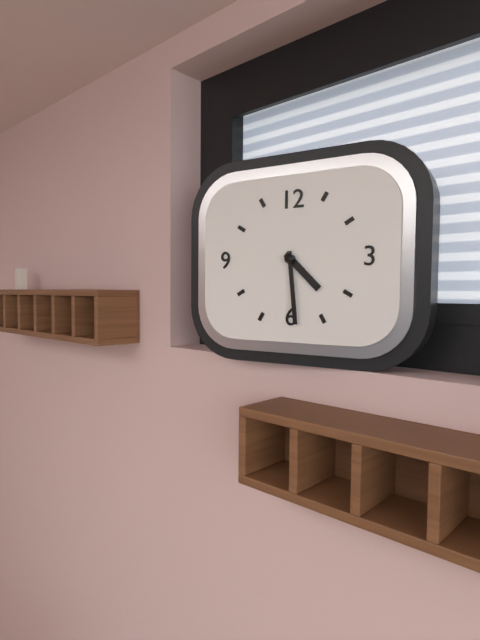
4:29
